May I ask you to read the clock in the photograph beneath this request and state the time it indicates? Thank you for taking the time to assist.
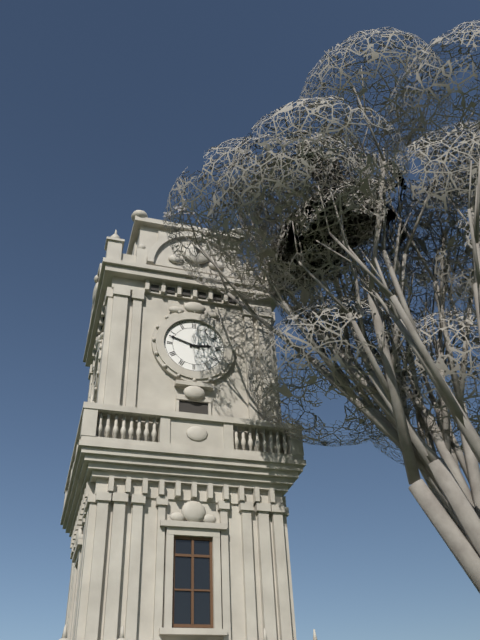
2:48
